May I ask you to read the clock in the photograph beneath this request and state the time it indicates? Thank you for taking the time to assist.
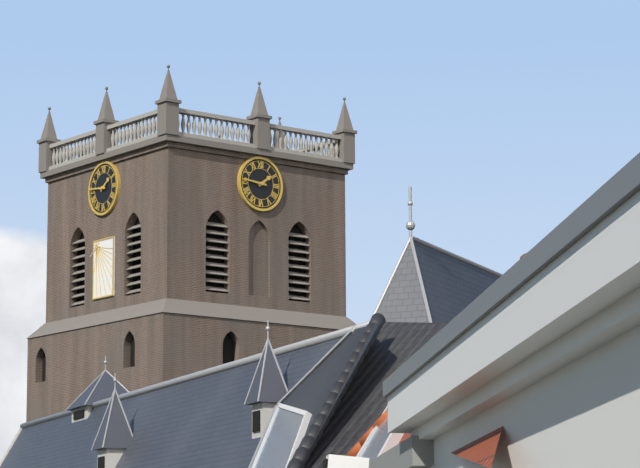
1:46
